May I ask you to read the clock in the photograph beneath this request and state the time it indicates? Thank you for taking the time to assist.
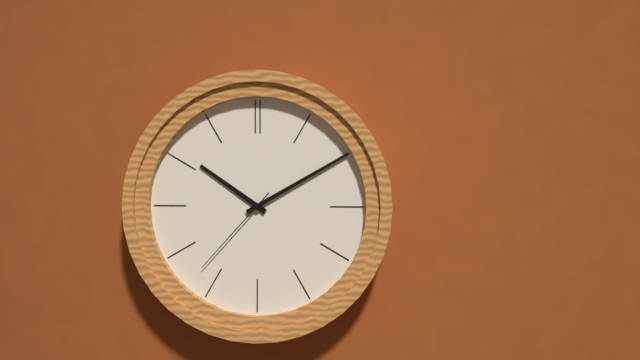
10:10:37
